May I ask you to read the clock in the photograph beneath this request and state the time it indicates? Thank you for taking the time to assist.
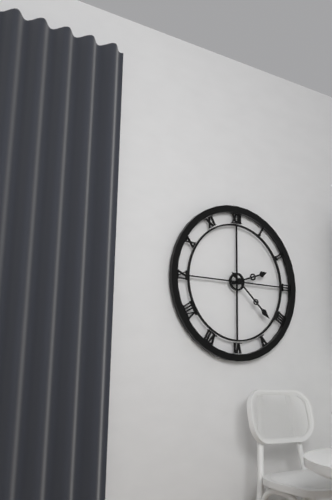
2:22
